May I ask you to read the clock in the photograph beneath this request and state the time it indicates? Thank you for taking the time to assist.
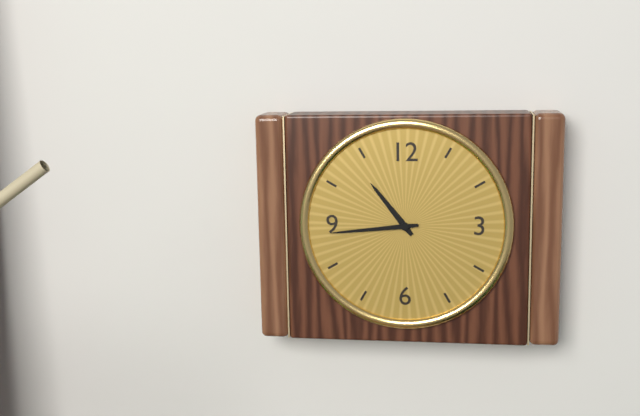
10:44
